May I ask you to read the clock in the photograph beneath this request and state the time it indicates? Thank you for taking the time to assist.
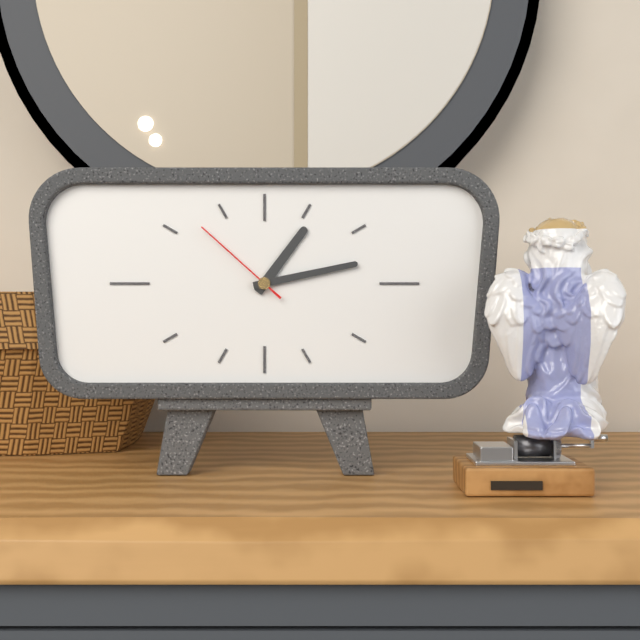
1:13:52
